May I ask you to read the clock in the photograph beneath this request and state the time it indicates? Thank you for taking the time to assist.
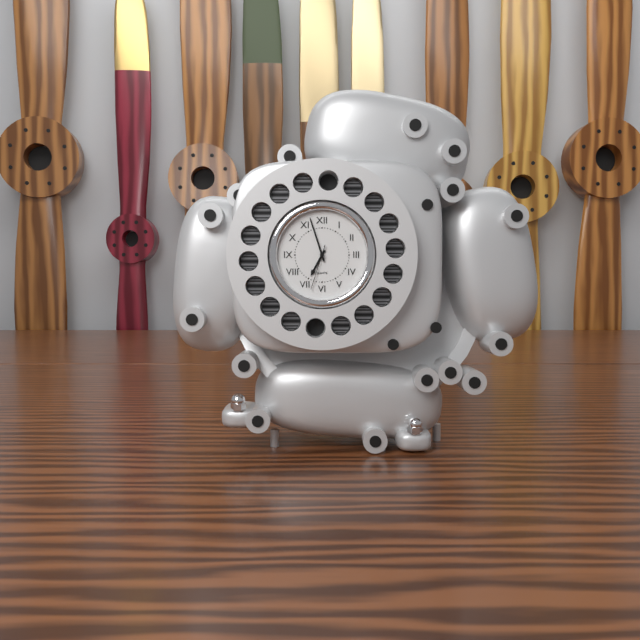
6:57
